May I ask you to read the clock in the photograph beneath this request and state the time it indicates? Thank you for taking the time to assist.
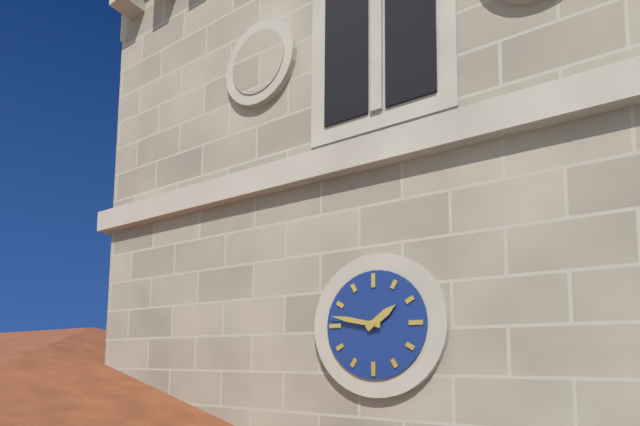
1:47
